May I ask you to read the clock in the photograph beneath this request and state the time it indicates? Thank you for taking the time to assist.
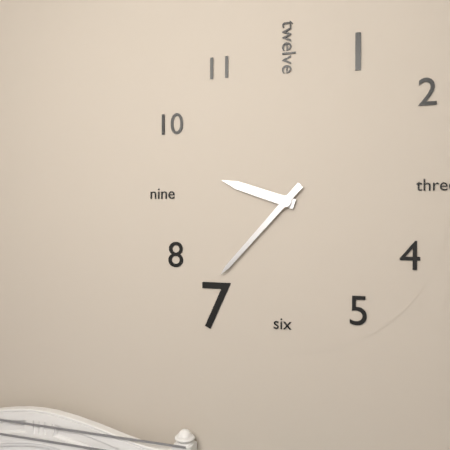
9:37
